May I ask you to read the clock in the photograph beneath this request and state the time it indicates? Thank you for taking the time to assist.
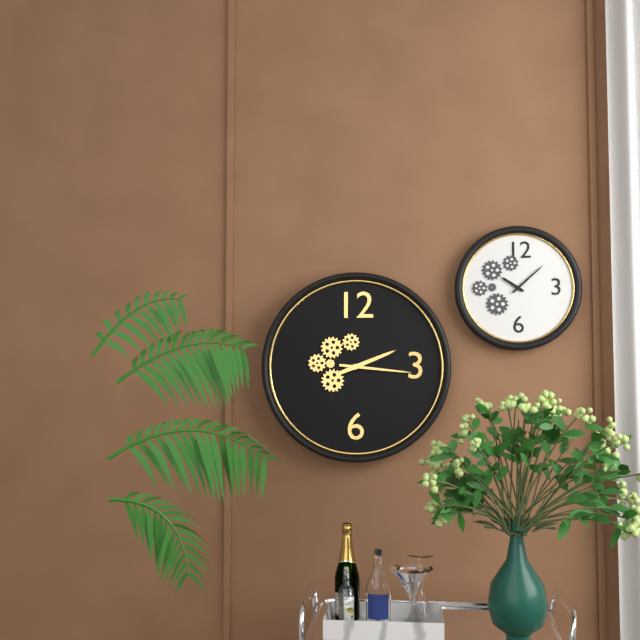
2:16
